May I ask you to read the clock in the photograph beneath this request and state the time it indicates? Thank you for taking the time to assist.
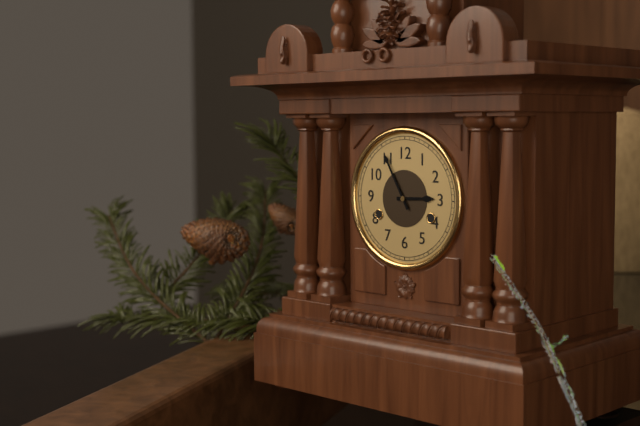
2:55
